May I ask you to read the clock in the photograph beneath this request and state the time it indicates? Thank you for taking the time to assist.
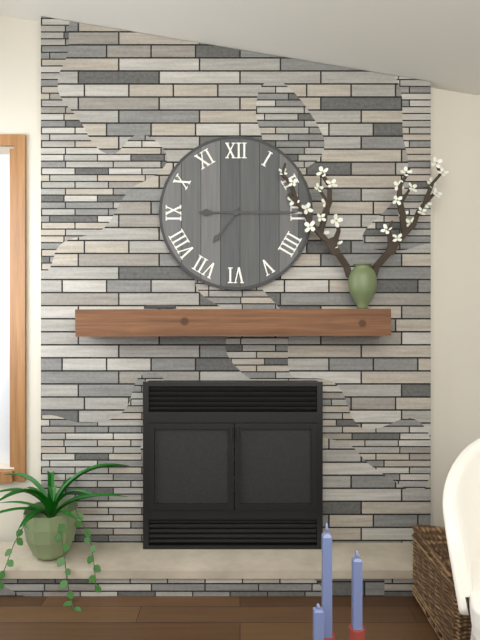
7:15
